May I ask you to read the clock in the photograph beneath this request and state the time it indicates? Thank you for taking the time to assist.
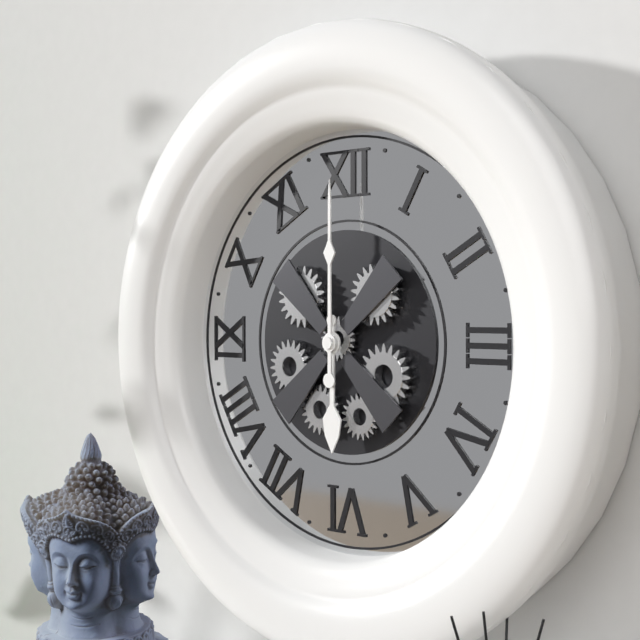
6:00
